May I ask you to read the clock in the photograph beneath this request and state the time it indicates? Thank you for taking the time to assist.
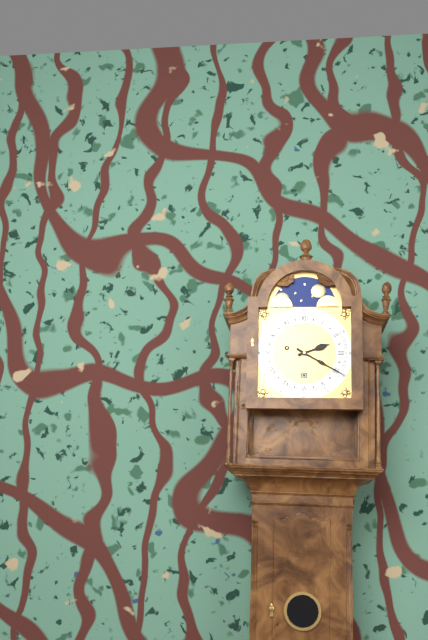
2:20
